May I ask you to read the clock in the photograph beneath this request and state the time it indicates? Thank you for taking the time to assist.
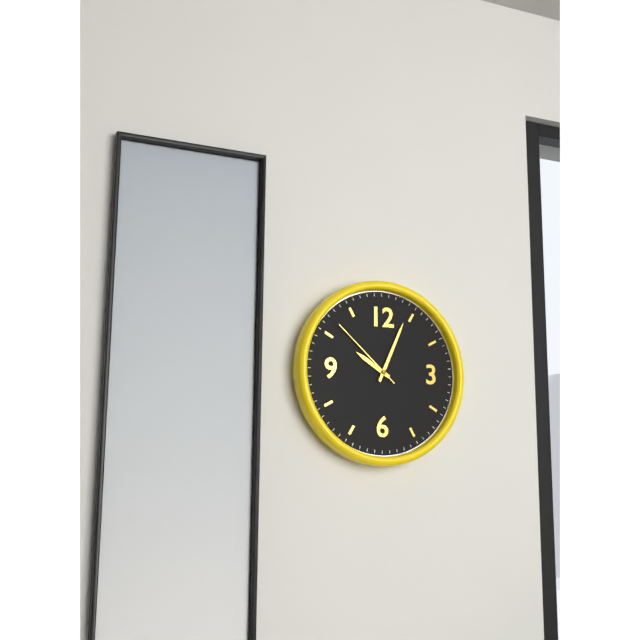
10:04:52
